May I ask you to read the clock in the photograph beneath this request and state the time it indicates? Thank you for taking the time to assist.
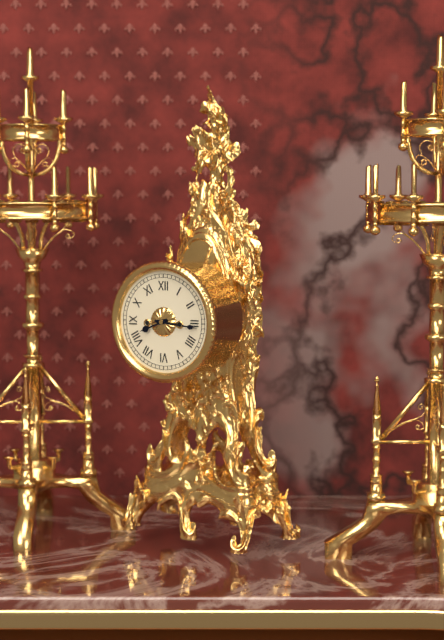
8:16
